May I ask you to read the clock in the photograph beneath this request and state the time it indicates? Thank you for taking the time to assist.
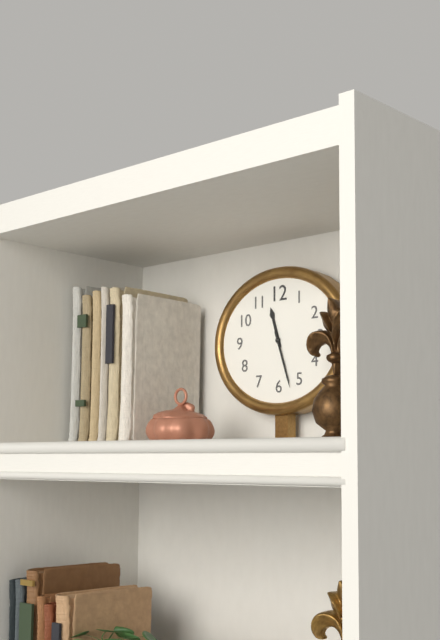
11:27
